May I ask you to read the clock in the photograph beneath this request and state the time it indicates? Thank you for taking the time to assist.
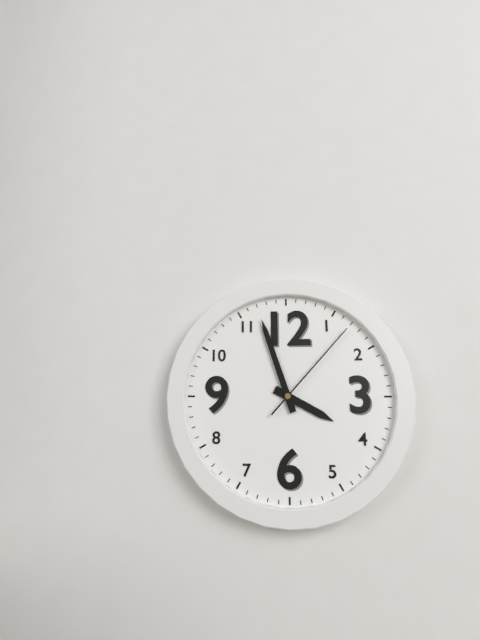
3:57:07
